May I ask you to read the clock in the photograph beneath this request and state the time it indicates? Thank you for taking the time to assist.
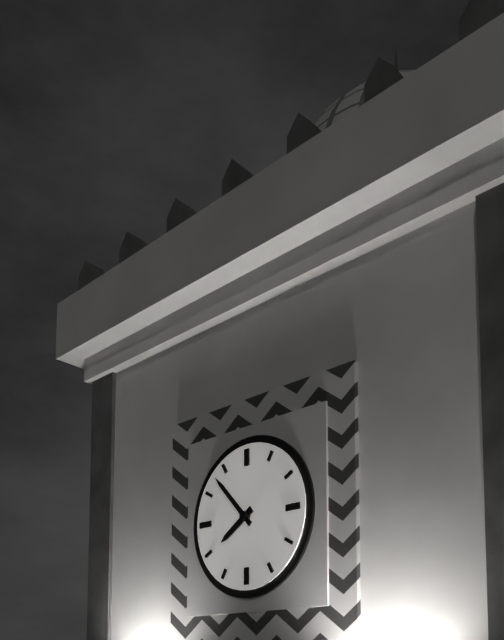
7:53
